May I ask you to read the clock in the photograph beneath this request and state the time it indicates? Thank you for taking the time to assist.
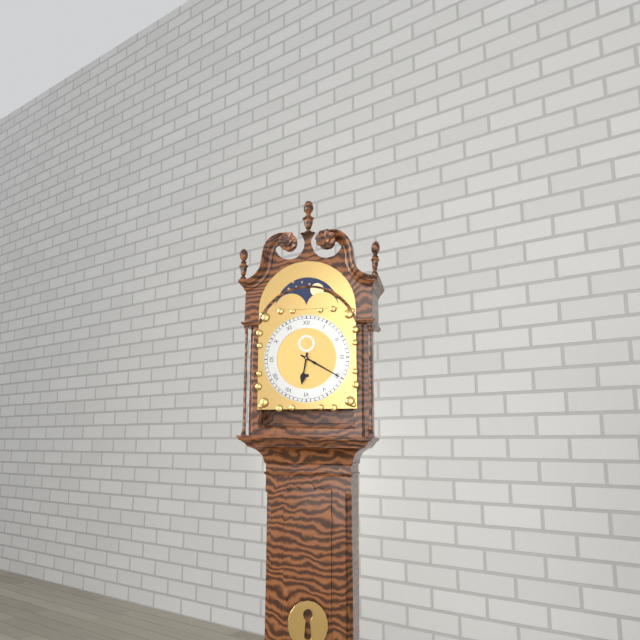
6:20
